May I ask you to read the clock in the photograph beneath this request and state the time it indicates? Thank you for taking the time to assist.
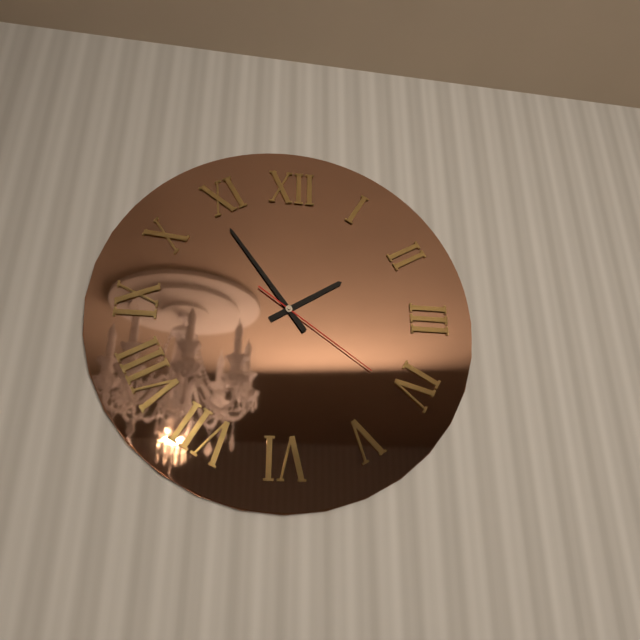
1:54:21
